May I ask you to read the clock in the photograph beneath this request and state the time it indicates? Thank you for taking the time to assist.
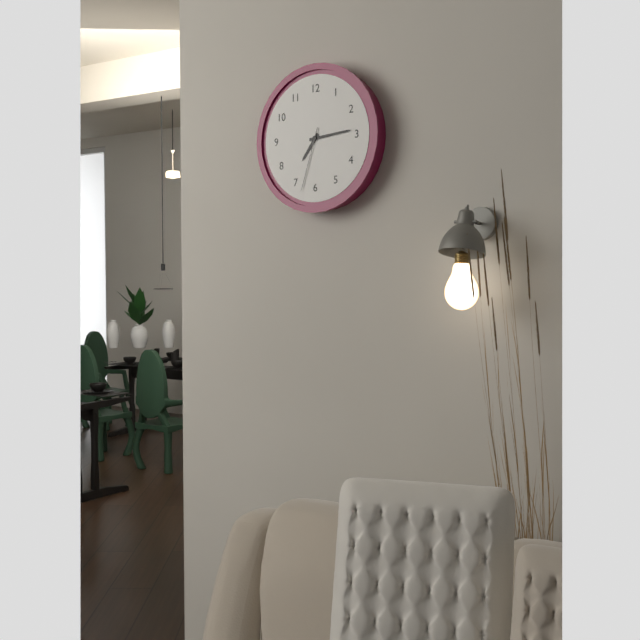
7:14:33
